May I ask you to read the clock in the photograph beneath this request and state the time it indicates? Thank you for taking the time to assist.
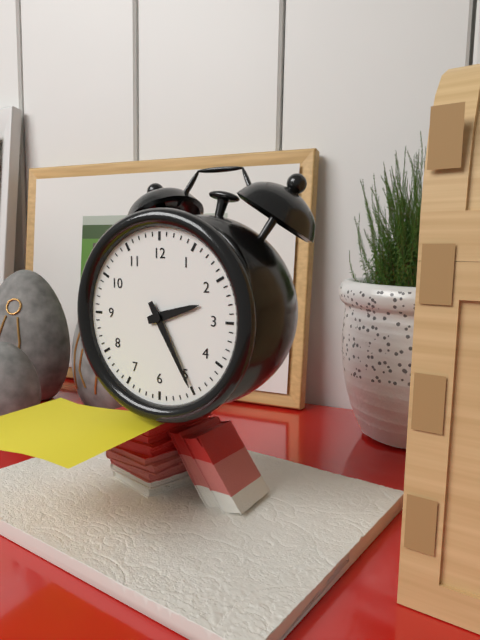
2:25
